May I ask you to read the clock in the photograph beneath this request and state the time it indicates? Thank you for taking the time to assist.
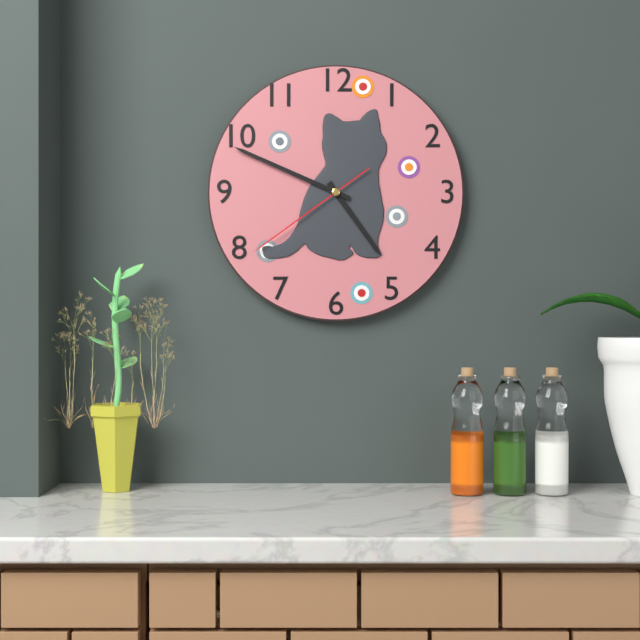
4:49:39
